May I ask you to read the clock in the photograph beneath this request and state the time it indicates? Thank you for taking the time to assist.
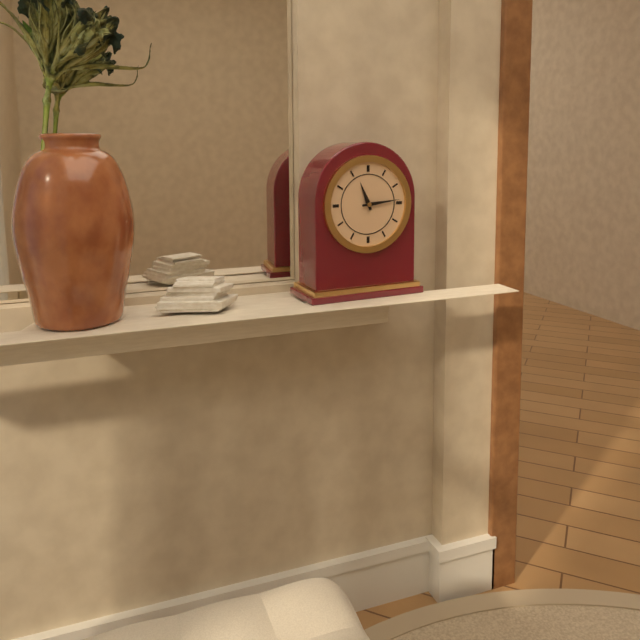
11:14
